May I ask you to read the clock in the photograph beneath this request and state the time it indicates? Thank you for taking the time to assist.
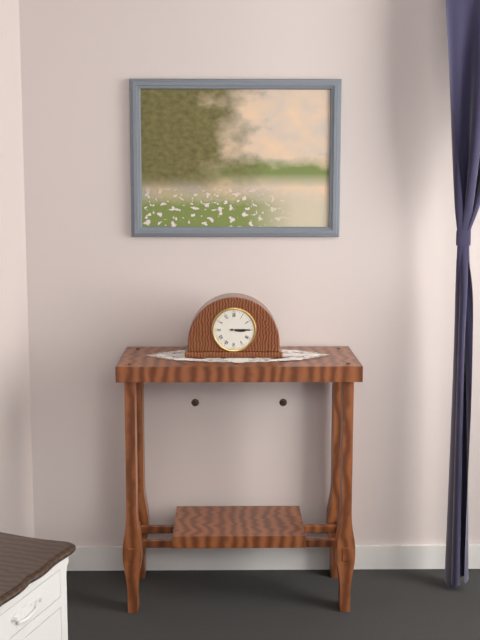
3:15
